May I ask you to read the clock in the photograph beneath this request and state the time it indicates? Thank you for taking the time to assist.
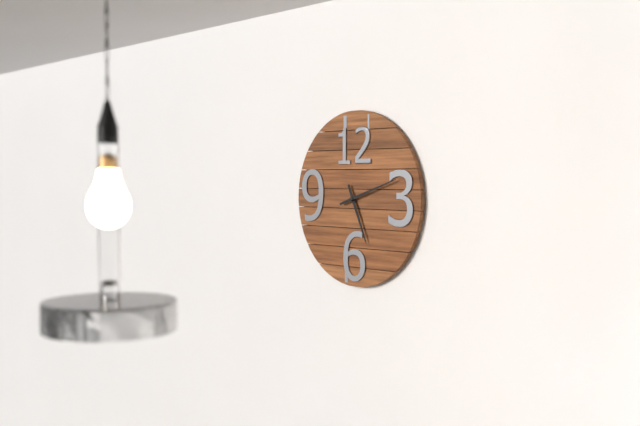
5:12
